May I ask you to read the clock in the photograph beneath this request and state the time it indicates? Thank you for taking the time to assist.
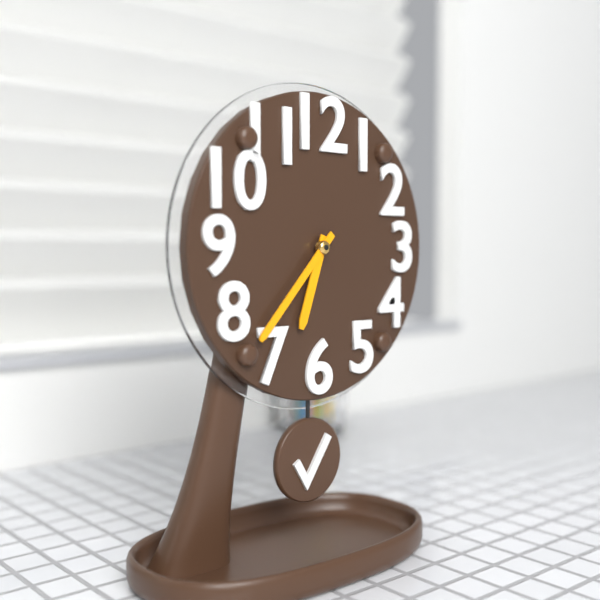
6:37
